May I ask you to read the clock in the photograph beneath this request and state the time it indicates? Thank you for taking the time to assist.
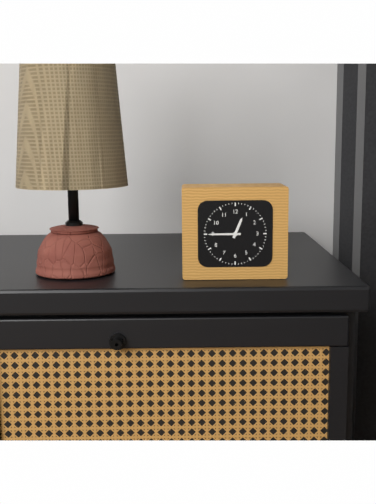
12:45
